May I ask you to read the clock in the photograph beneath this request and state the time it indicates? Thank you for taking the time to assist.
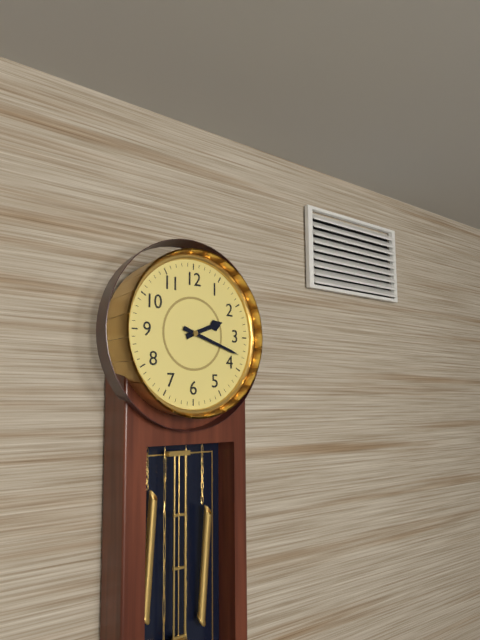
2:18
